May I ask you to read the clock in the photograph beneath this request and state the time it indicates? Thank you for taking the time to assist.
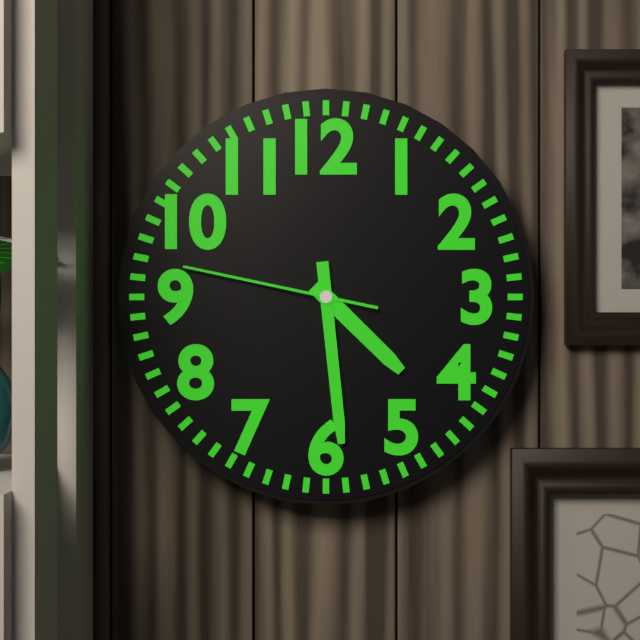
4:29:47
